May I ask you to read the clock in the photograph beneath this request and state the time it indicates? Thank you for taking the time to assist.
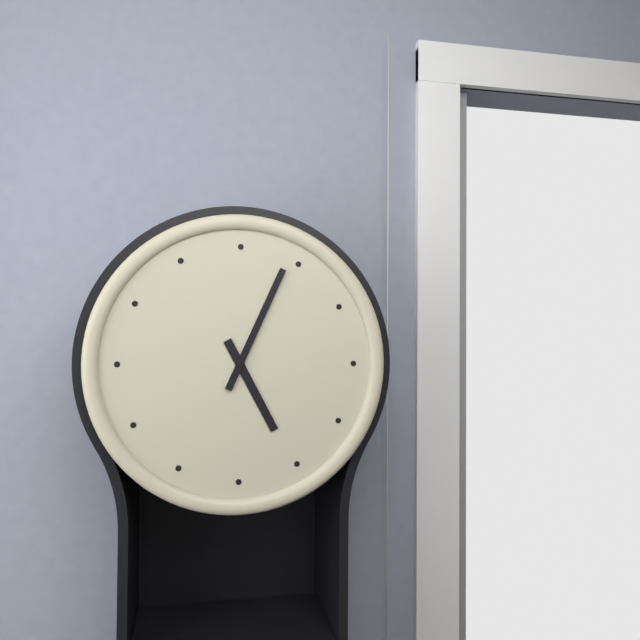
5:04
